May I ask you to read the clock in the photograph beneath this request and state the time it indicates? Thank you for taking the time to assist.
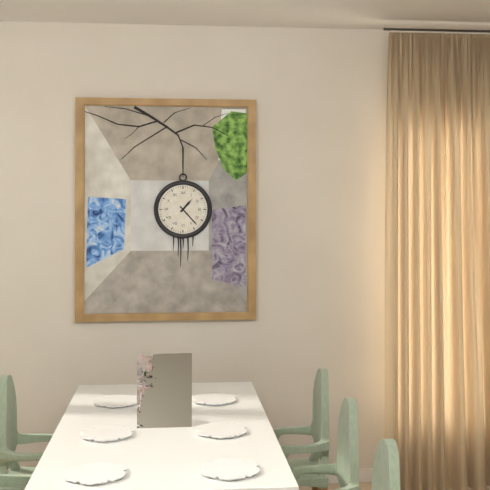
1:23
